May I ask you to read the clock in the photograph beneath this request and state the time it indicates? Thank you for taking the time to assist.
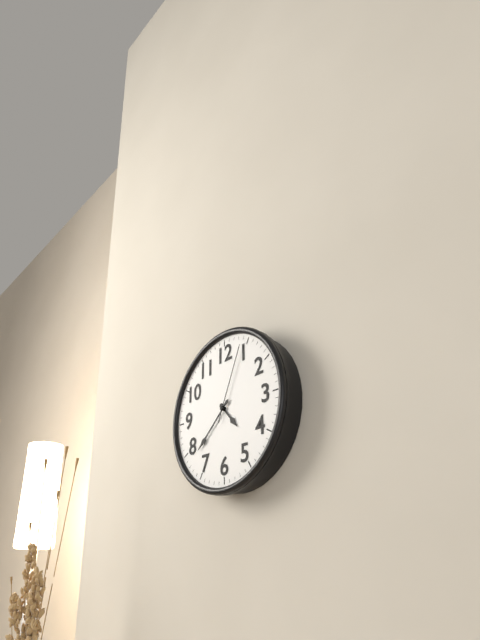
4:38:04
